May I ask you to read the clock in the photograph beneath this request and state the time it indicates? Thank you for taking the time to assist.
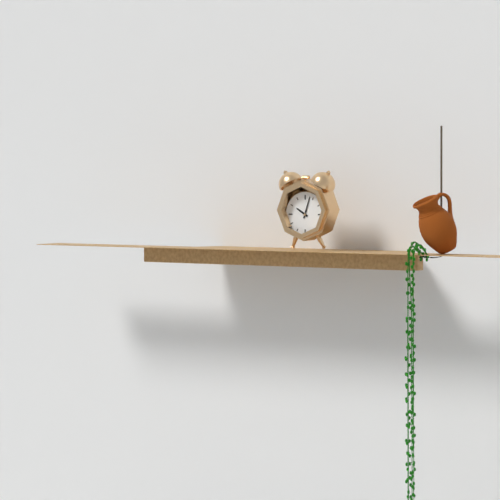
10:03
